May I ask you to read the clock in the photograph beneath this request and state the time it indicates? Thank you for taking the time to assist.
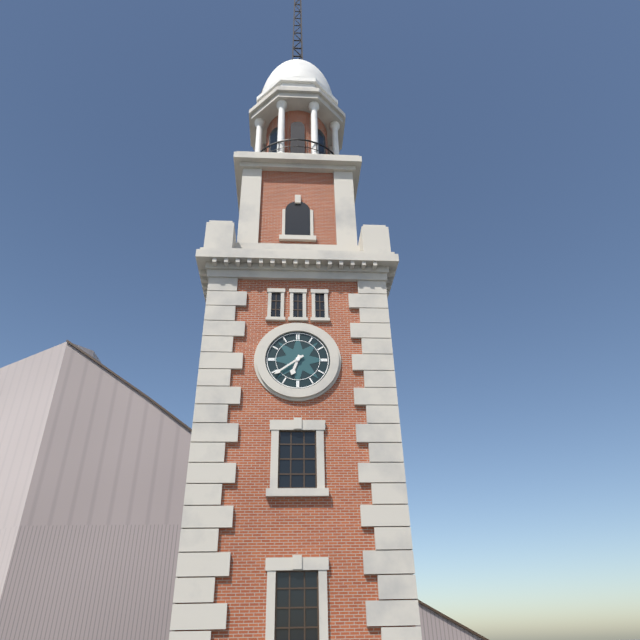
6:39
